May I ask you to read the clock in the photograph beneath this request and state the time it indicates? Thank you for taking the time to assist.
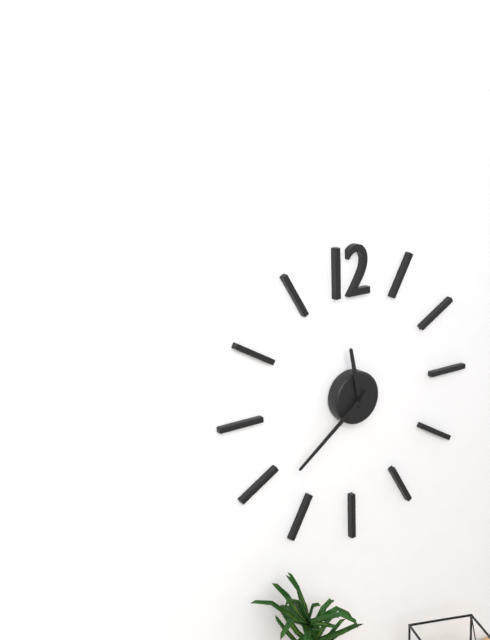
11:39
